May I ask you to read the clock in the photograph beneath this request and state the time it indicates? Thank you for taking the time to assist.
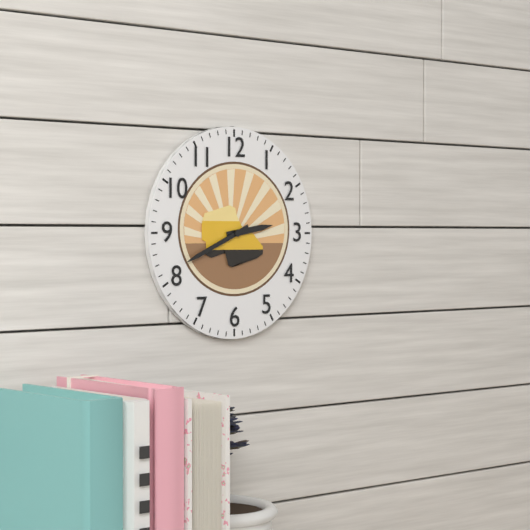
2:41
